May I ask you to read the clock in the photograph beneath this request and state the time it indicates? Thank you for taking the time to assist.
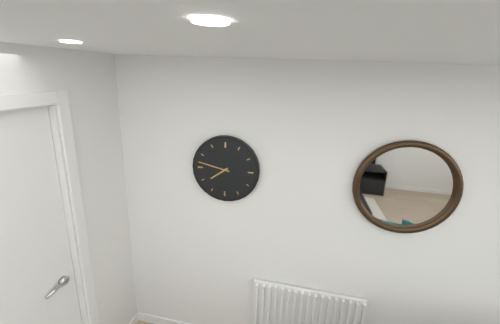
7:47
